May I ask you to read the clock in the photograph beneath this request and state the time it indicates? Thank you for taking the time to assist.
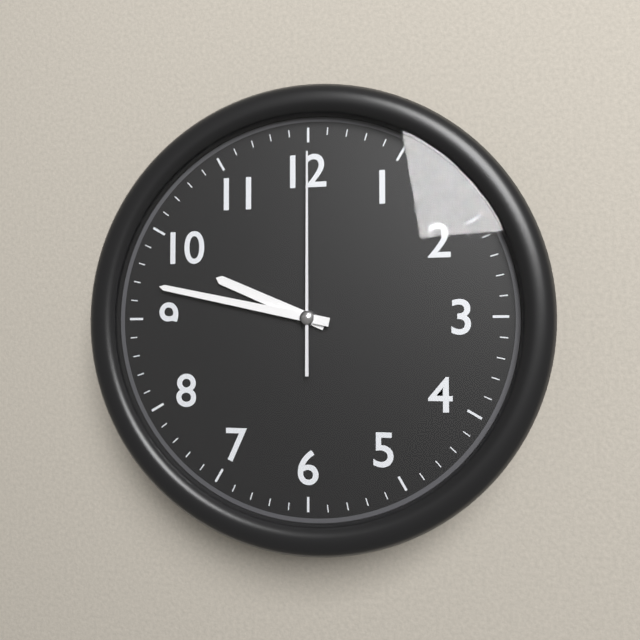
9:47:00
